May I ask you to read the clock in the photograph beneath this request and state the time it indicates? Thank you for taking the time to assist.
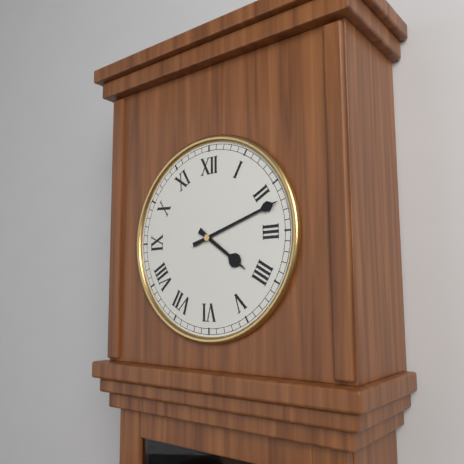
4:12
